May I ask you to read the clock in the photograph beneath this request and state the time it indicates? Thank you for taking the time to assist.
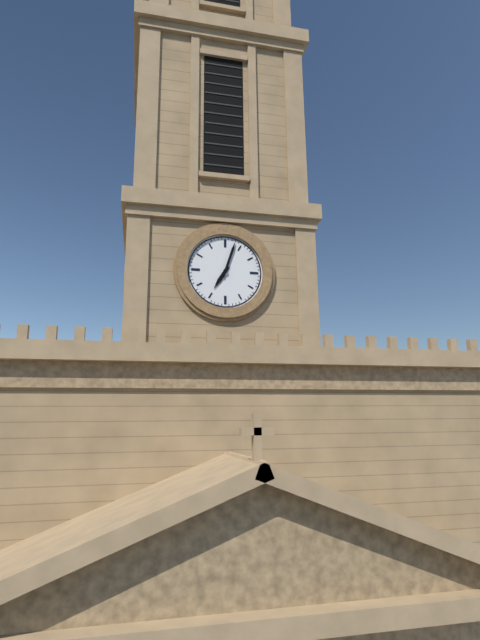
7:03
